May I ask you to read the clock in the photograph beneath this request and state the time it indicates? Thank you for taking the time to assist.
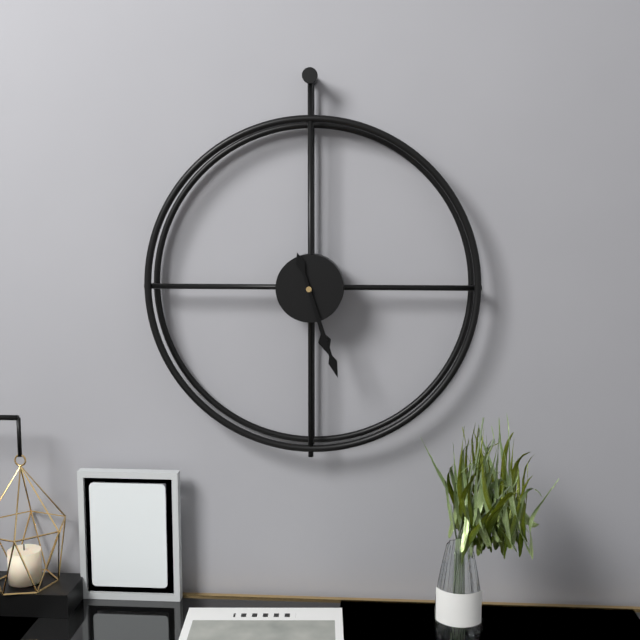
5:27
